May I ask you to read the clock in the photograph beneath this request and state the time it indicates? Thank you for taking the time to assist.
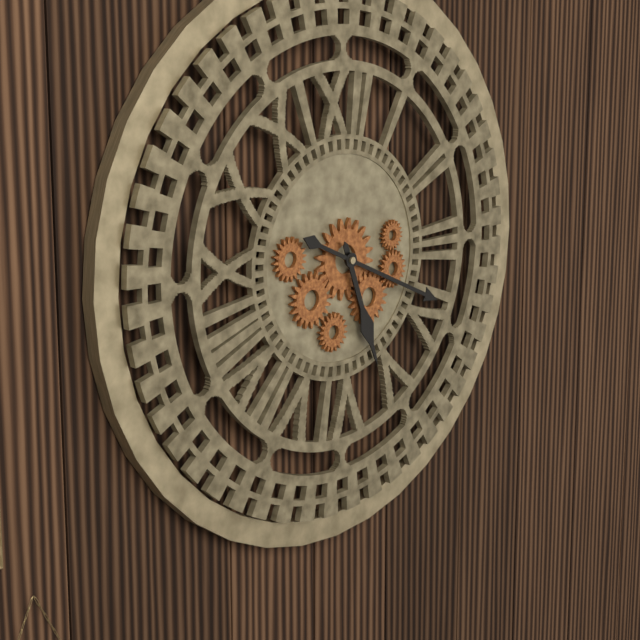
5:19
